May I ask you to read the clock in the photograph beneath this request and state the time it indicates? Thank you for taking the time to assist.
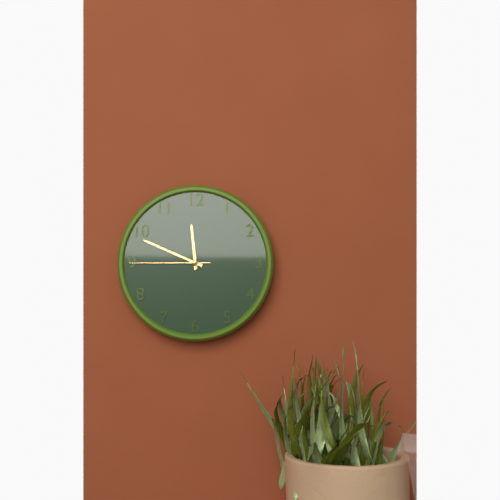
11:49:45
